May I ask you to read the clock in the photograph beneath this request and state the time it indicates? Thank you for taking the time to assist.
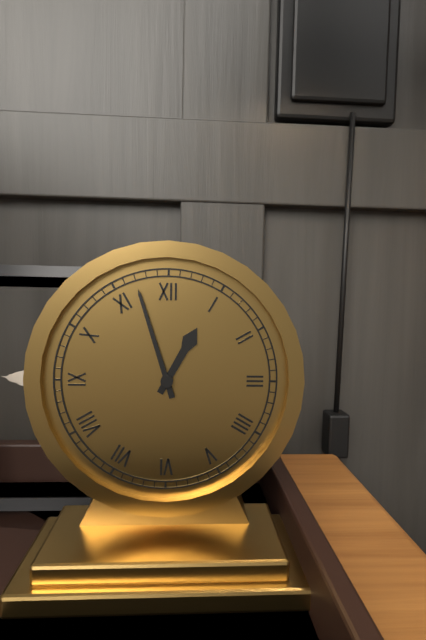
12:57
